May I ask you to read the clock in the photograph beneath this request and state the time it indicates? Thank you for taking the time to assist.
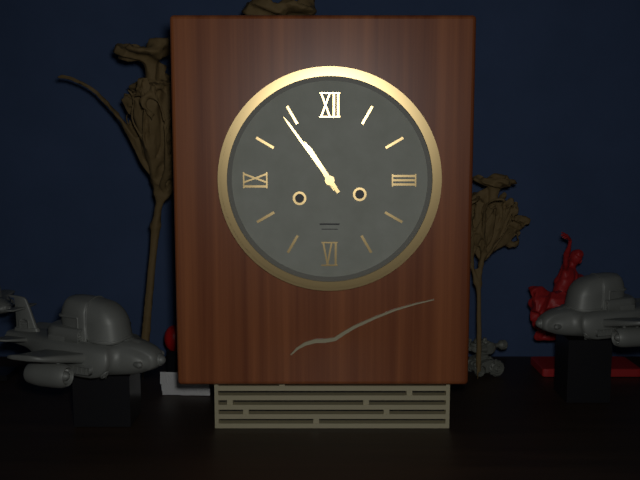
10:54
